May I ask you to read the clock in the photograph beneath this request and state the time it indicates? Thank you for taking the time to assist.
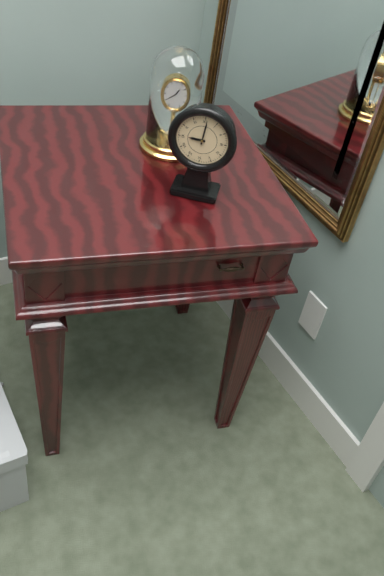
9:01
